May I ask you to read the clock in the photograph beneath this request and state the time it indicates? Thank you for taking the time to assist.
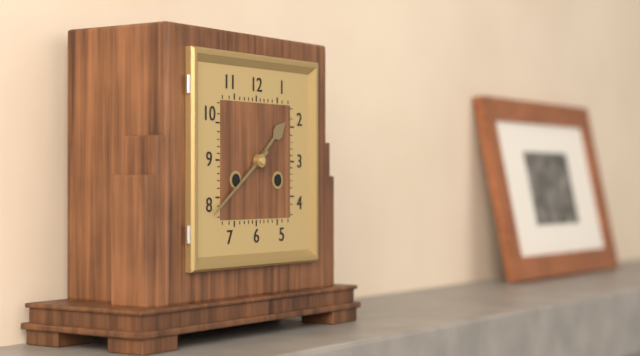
1:39
